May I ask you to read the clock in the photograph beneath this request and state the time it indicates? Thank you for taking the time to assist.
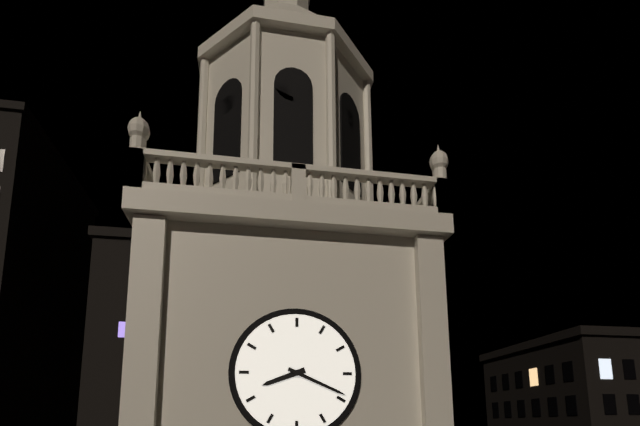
8:19
